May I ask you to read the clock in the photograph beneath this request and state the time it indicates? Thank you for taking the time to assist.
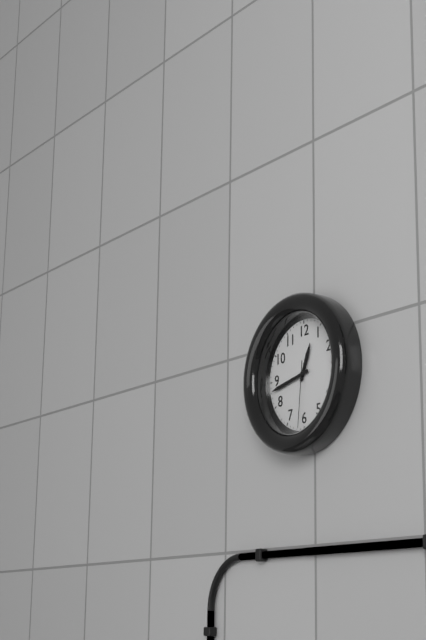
12:43:31
